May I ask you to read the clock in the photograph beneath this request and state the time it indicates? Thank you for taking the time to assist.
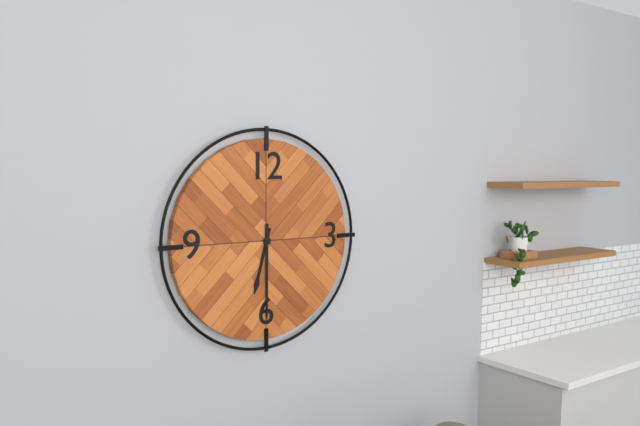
6:30
